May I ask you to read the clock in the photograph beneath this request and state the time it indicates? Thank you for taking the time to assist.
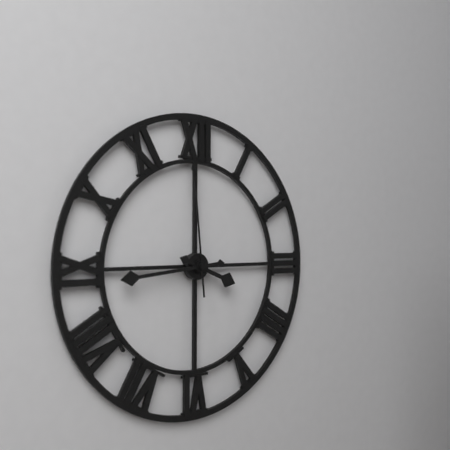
3:44:59
